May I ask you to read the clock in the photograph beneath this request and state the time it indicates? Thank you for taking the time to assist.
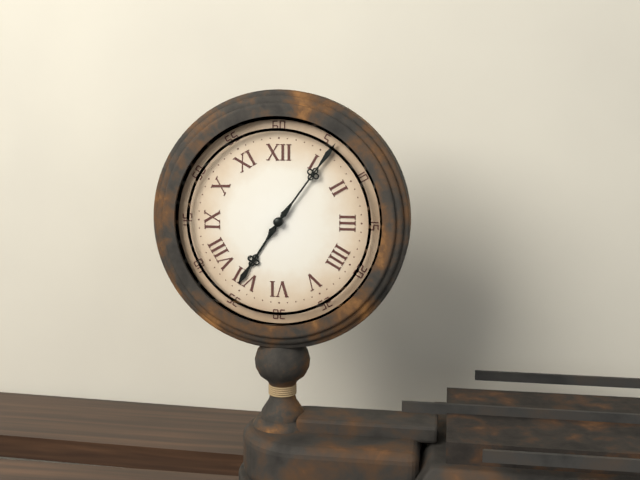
7:06
